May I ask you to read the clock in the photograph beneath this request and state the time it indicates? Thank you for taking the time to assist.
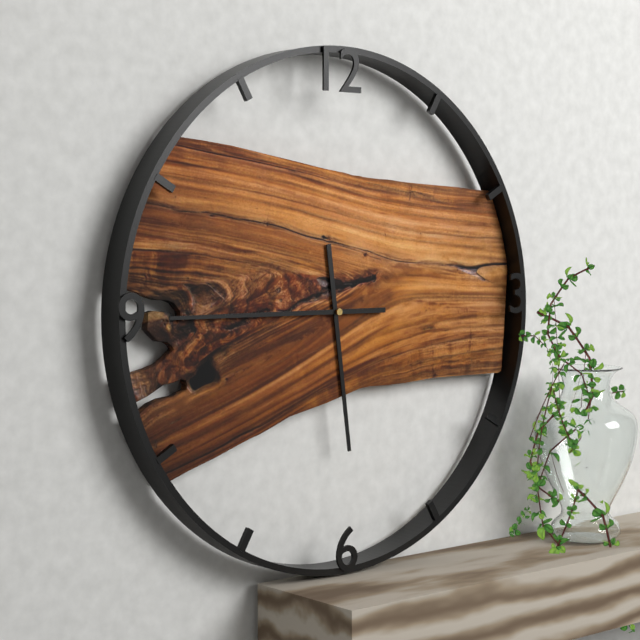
5:45
